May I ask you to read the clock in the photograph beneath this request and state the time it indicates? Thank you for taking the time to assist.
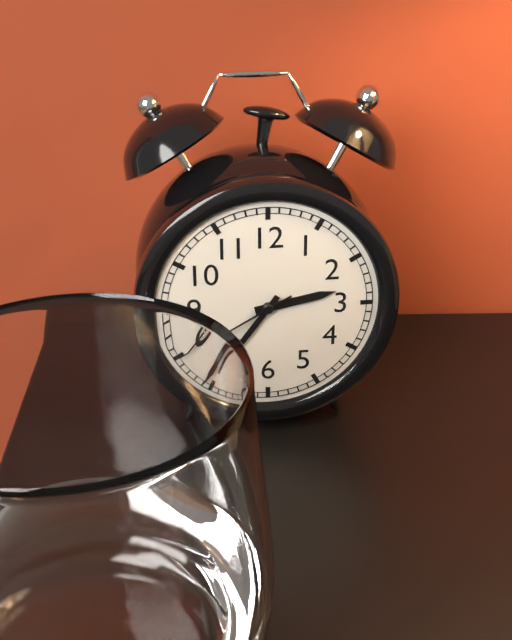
2:36:40
